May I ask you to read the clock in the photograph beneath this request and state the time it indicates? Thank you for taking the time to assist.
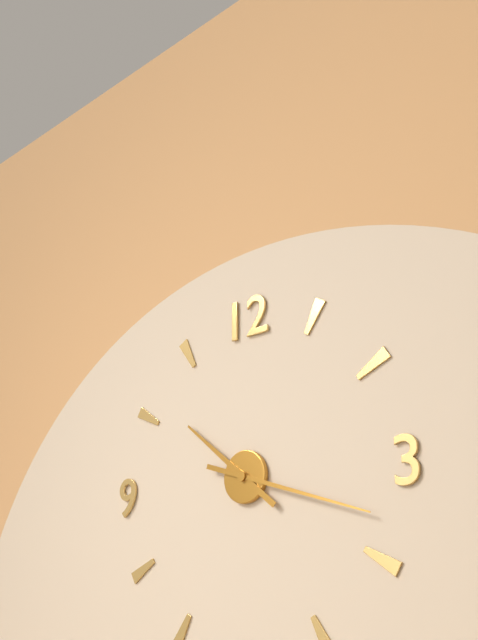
10:18
